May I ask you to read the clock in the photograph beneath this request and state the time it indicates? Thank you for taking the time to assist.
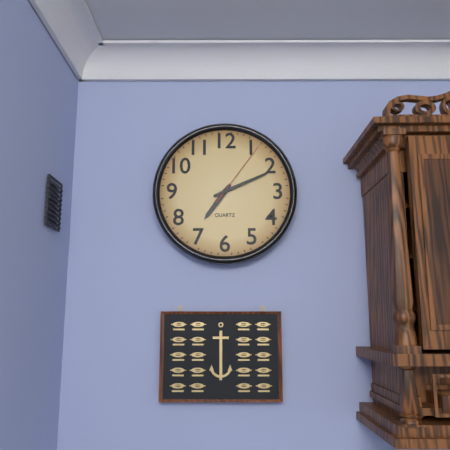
7:11:06
